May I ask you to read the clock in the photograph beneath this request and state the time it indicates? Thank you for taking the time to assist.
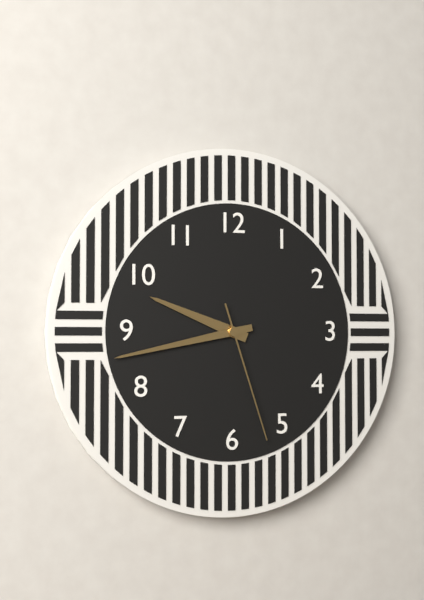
9:43:27
